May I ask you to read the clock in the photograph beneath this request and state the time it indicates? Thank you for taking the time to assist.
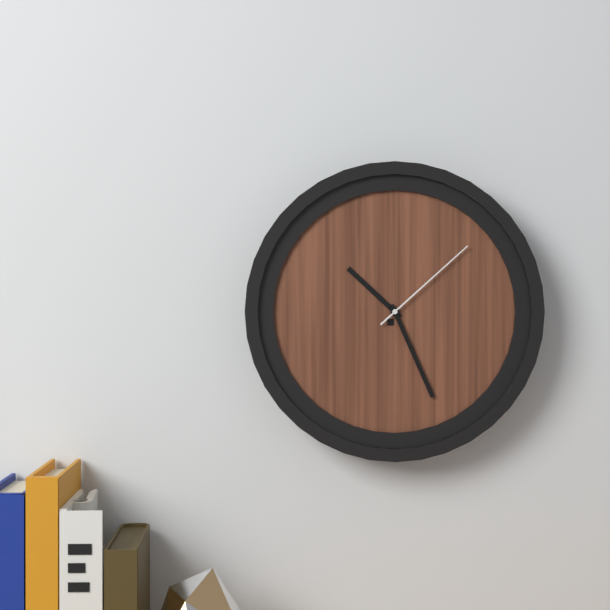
10:26:08
